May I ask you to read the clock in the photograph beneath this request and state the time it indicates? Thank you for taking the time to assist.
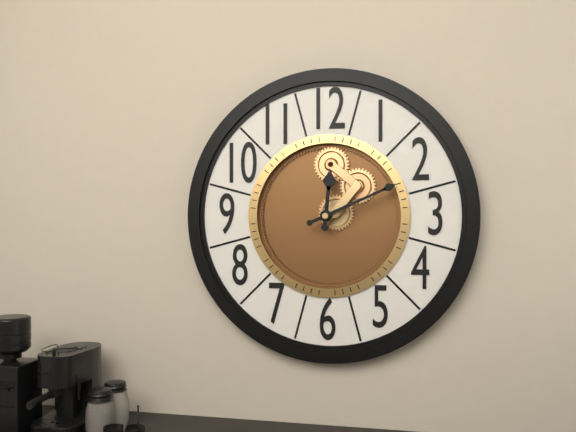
12:11
